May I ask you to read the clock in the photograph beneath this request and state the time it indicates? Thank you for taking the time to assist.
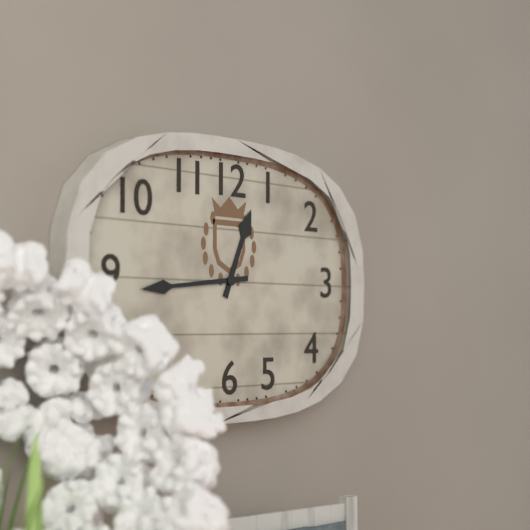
12:44
